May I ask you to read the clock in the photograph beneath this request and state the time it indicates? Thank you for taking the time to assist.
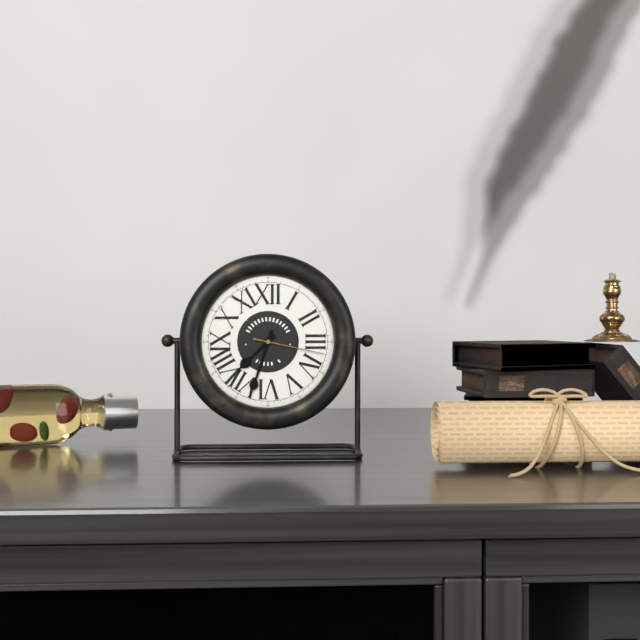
7:33:17
